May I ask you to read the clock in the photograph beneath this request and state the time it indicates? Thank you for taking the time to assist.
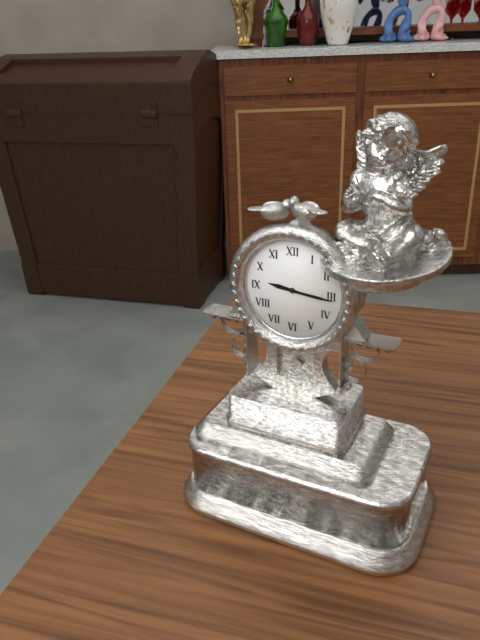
9:16
